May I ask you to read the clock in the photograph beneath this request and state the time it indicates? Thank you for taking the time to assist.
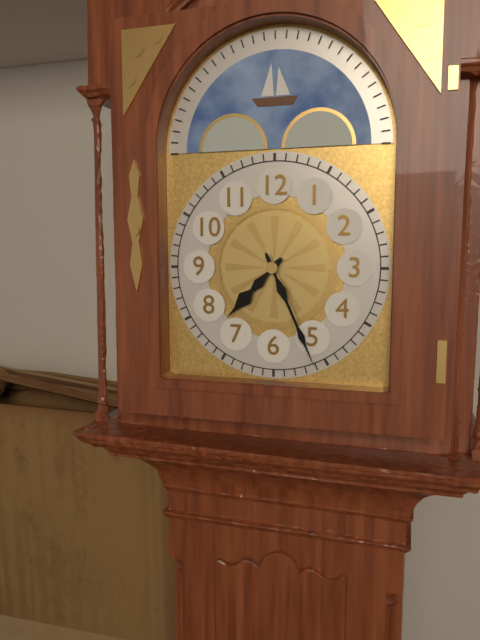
7:26
